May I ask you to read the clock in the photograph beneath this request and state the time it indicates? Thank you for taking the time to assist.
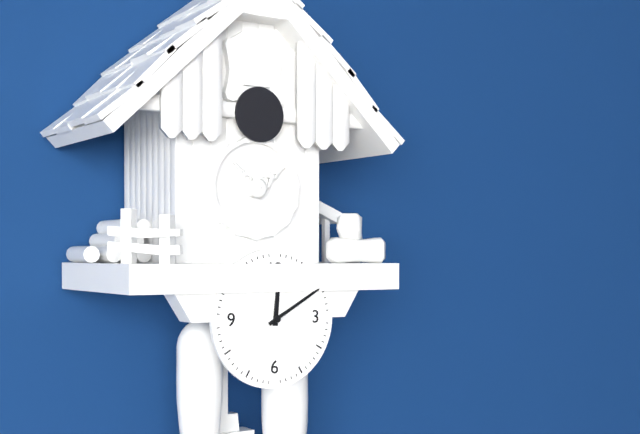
12:10
